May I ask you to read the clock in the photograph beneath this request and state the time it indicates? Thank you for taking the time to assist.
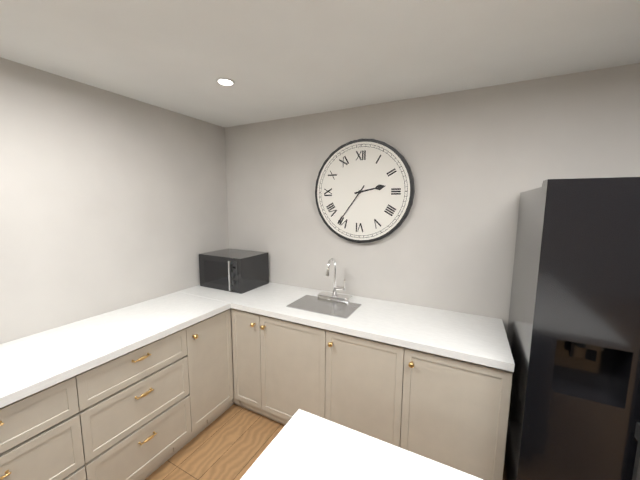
2:36
